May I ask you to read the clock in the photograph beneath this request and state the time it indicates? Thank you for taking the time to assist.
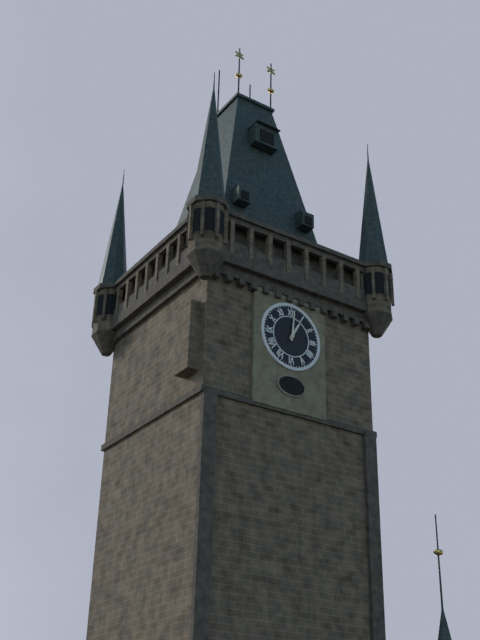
1:01
